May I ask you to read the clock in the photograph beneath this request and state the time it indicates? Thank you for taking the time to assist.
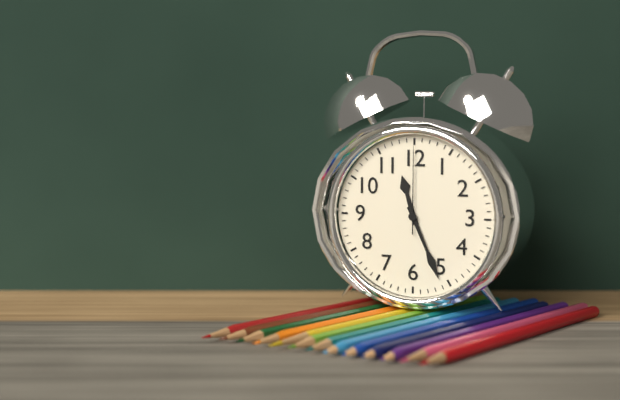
11:26:00
